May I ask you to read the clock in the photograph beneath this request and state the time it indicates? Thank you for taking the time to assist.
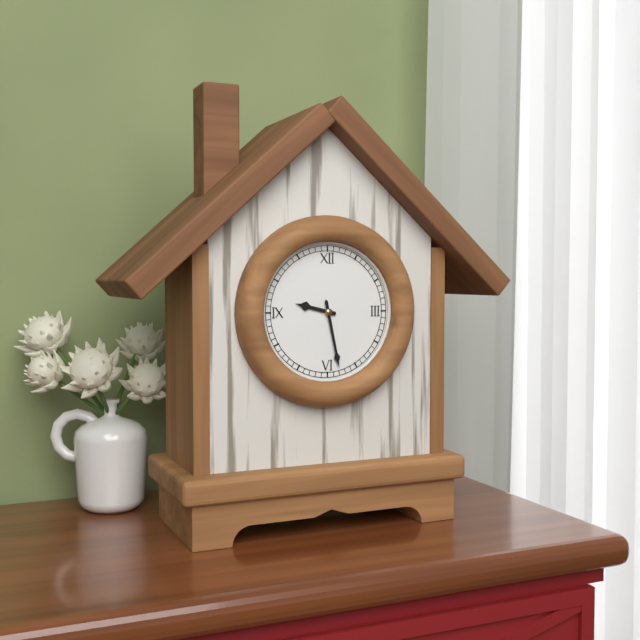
9:28
